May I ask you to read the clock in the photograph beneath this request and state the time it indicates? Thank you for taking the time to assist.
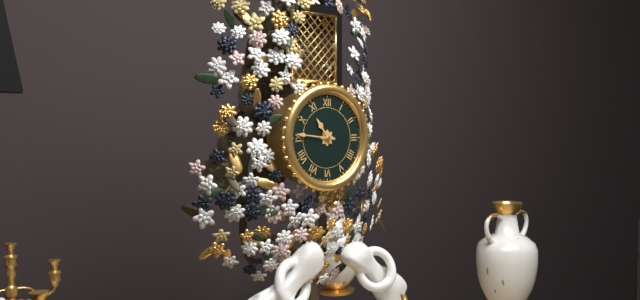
10:46
